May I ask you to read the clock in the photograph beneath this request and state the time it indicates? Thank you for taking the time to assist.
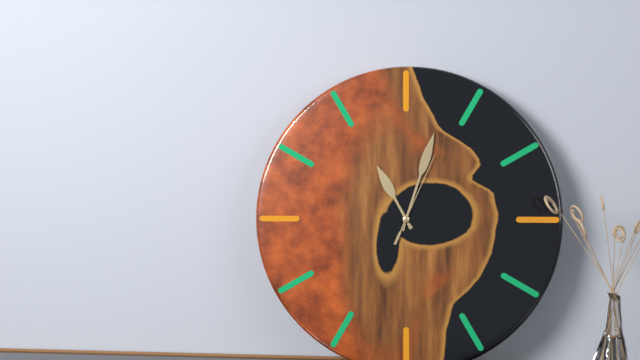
11:03:04
